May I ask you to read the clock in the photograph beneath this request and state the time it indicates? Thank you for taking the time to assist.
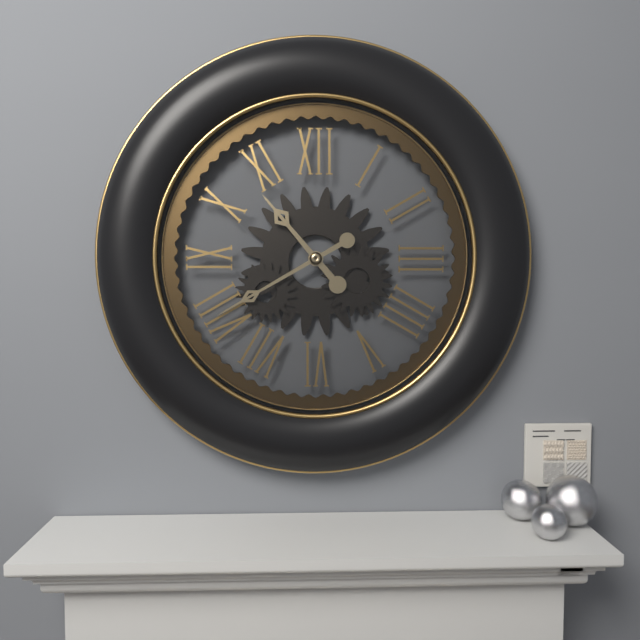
10:40
